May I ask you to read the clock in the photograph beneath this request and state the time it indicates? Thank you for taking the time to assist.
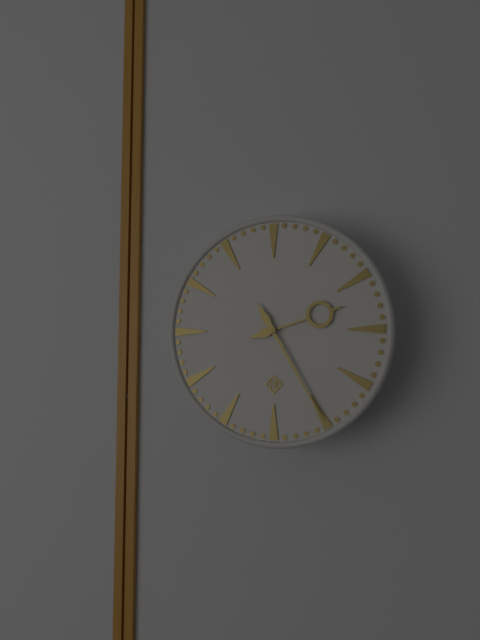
2:25
